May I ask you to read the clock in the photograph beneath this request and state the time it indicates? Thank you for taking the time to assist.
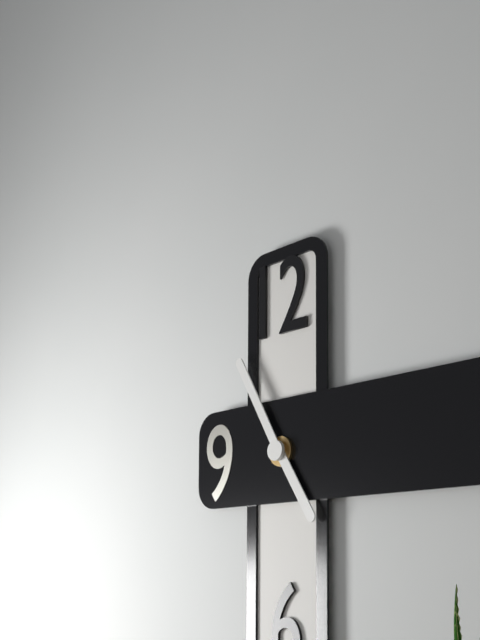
4:55
